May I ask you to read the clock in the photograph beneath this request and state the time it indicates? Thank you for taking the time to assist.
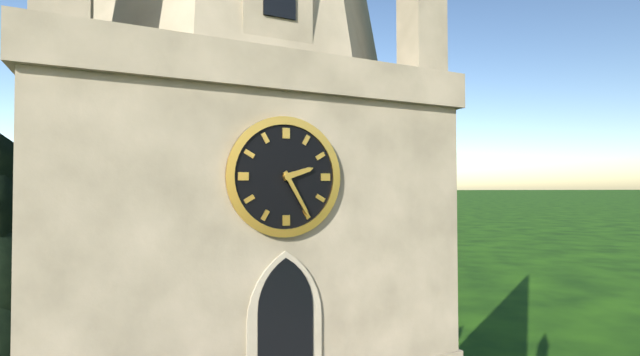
2:25
